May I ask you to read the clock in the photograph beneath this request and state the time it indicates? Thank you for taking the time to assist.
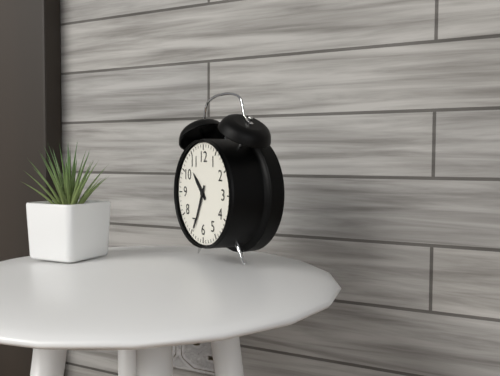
10:34
